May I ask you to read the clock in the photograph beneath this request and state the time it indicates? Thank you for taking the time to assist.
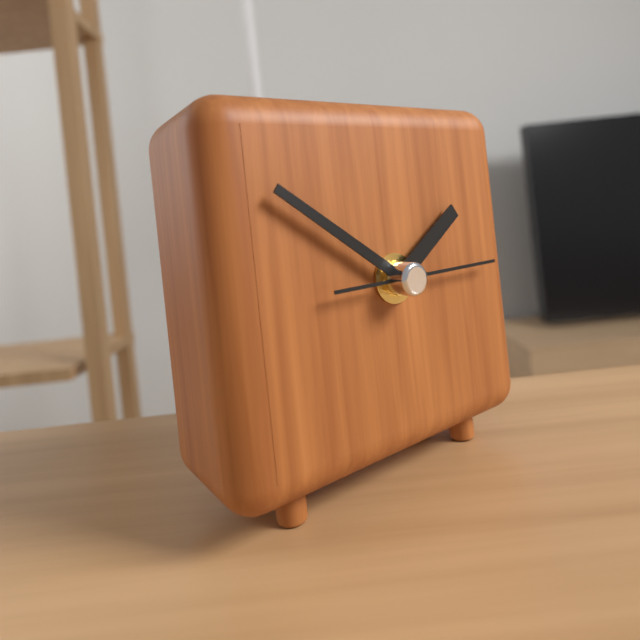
1:51:15
